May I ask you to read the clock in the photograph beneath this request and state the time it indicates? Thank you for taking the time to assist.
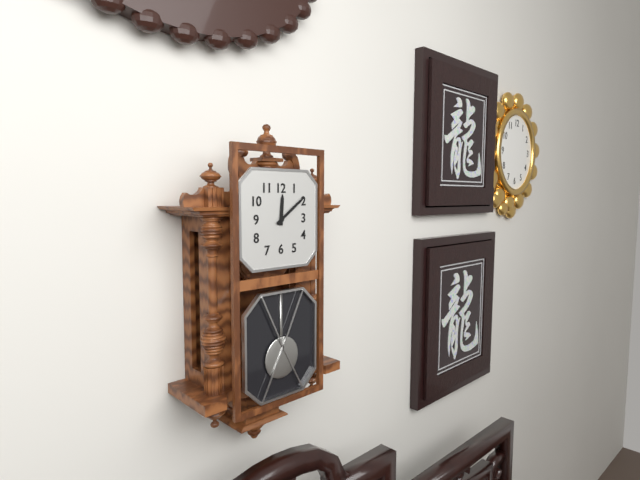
12:09
